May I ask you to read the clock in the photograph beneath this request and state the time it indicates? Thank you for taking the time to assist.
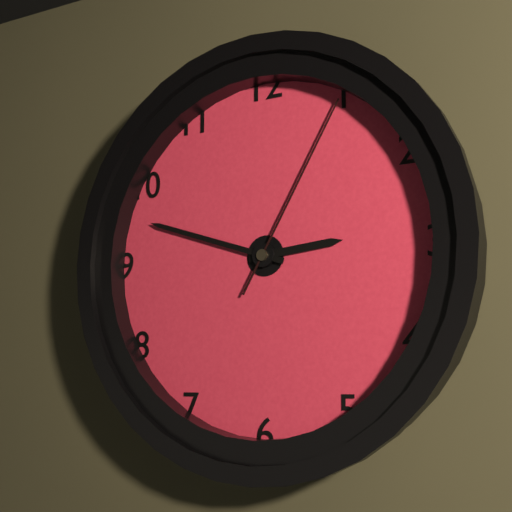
2:48:05
